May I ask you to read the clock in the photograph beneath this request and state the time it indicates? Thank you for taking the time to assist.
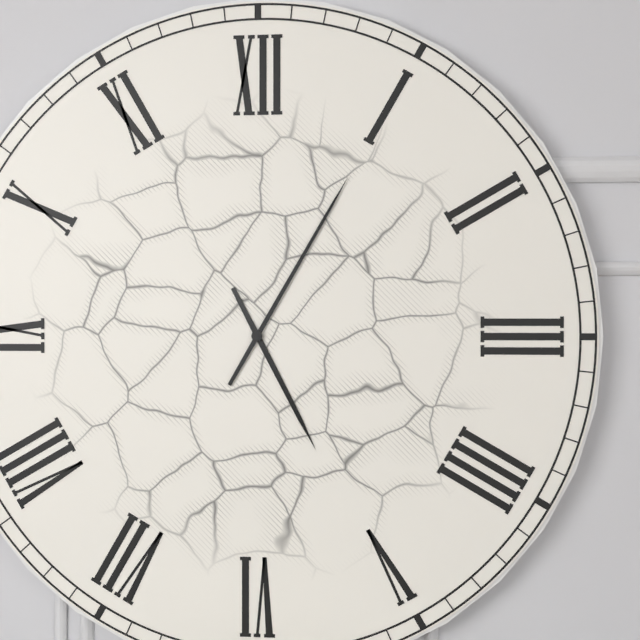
5:05
